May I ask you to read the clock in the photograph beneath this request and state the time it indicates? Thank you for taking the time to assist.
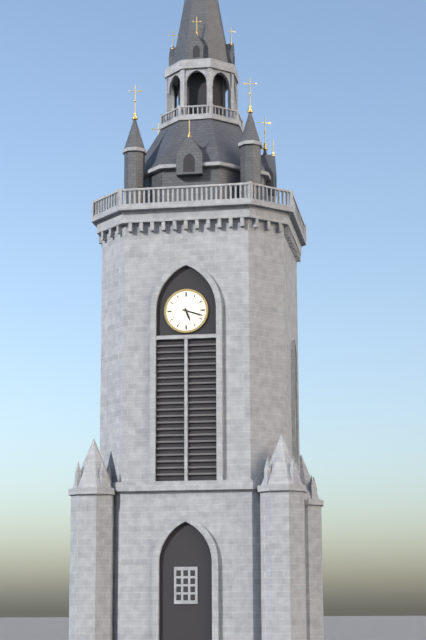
5:18
